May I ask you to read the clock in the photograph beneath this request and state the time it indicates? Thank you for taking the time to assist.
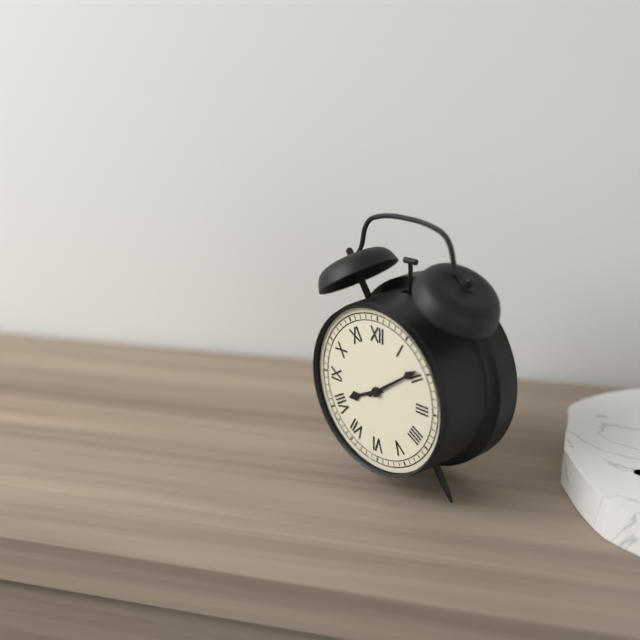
8:09
